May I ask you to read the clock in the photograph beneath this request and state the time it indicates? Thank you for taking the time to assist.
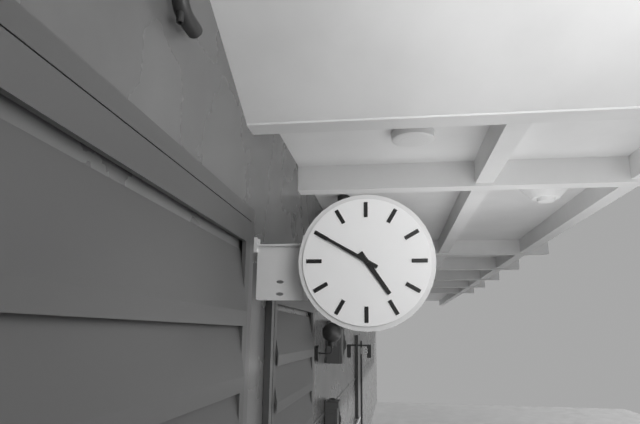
4:50
